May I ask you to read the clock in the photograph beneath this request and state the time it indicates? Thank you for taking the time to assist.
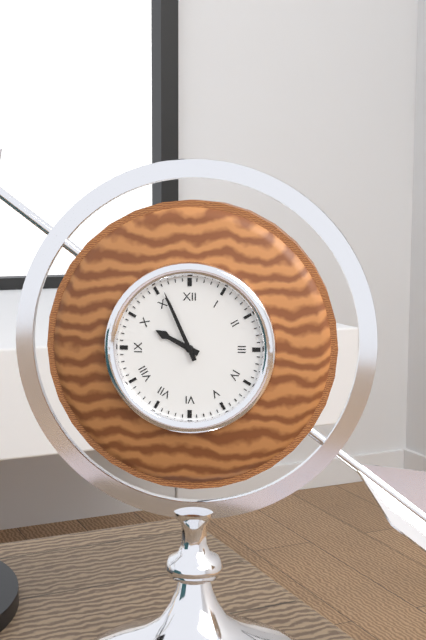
9:56
